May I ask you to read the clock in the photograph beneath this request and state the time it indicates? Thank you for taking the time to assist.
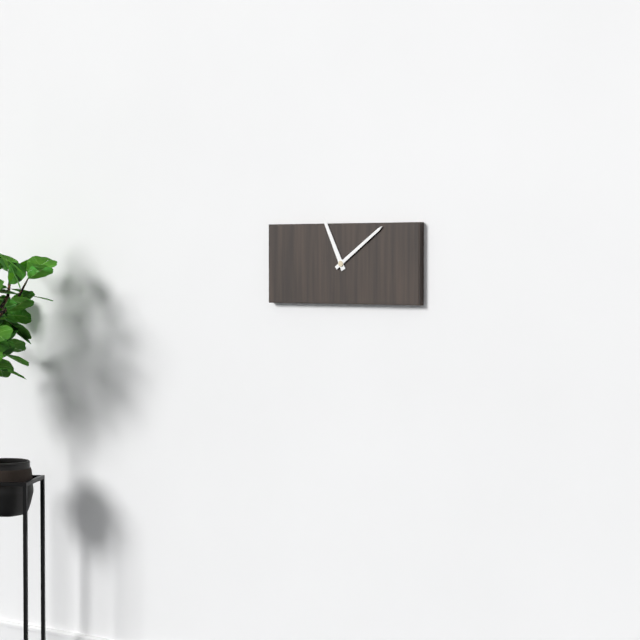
11:09
